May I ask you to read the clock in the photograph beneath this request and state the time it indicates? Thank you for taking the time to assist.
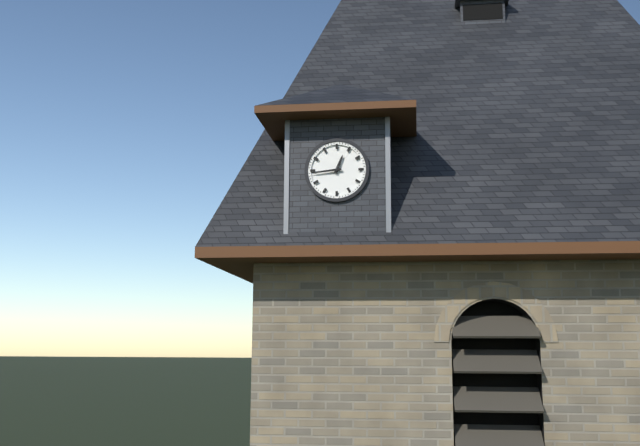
12:44
